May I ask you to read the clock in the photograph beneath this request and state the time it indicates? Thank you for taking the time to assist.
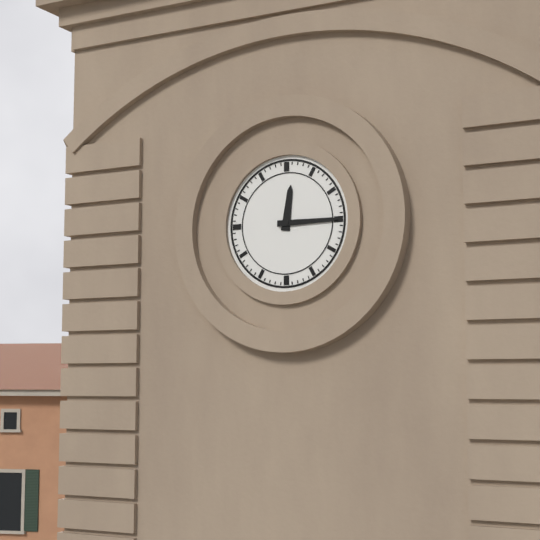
12:15
